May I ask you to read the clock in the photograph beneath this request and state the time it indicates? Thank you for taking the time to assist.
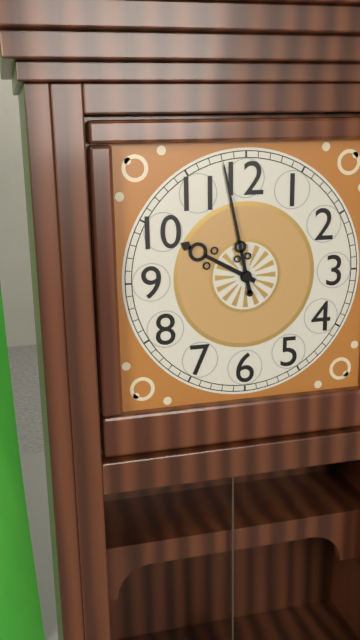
9:58
